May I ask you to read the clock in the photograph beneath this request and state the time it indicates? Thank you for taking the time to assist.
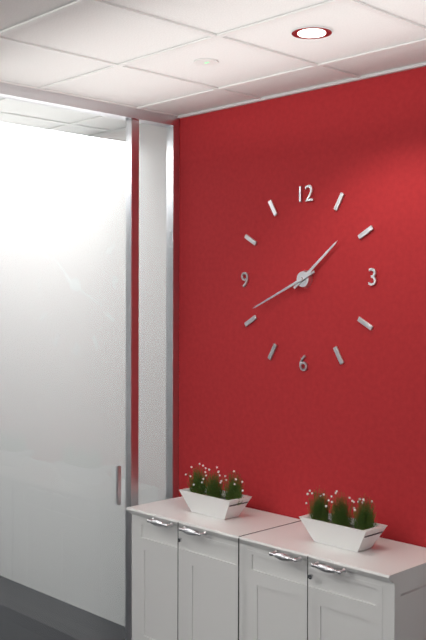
1:41
